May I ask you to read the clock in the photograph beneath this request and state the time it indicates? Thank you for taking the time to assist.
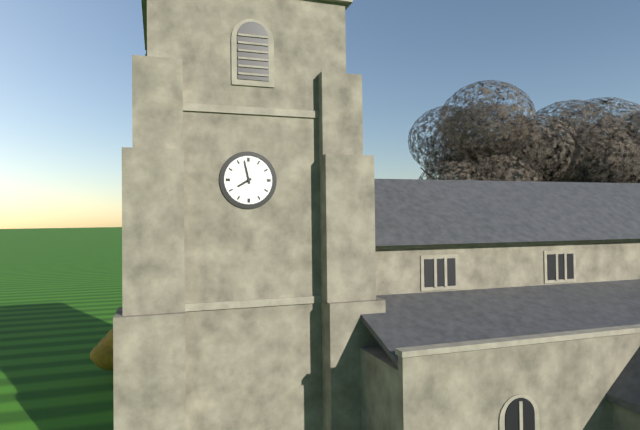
7:58
